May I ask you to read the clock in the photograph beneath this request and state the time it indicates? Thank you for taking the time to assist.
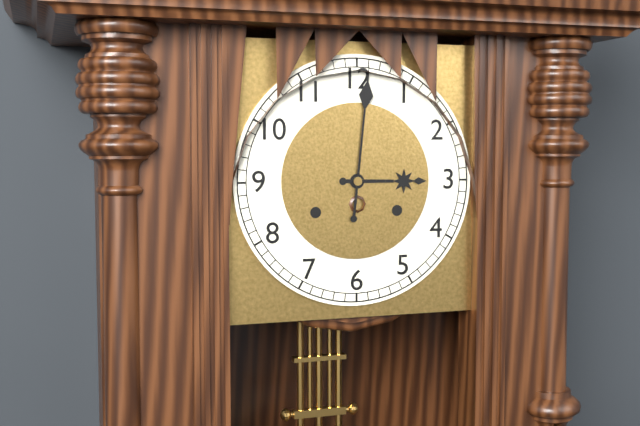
3:01
